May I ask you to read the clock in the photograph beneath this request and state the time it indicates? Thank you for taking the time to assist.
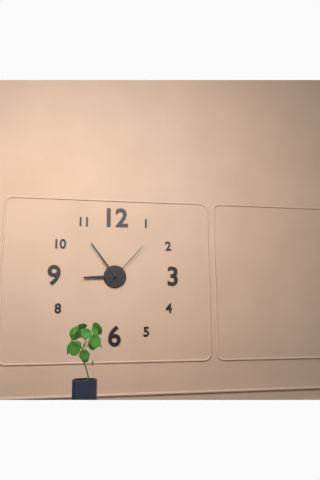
8:54:07
